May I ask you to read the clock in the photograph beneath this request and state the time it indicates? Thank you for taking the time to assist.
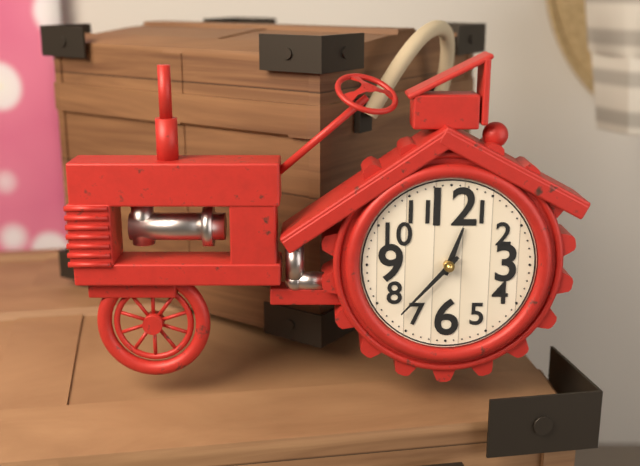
12:37
